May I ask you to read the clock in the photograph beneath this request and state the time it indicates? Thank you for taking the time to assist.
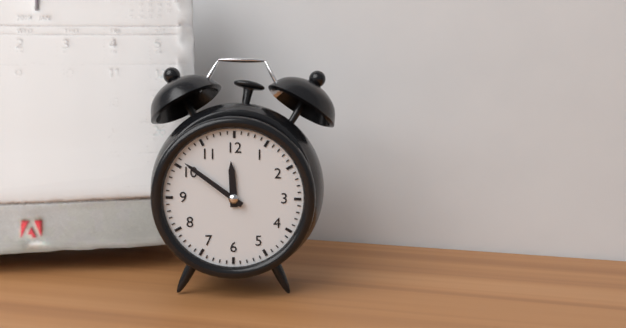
11:51
